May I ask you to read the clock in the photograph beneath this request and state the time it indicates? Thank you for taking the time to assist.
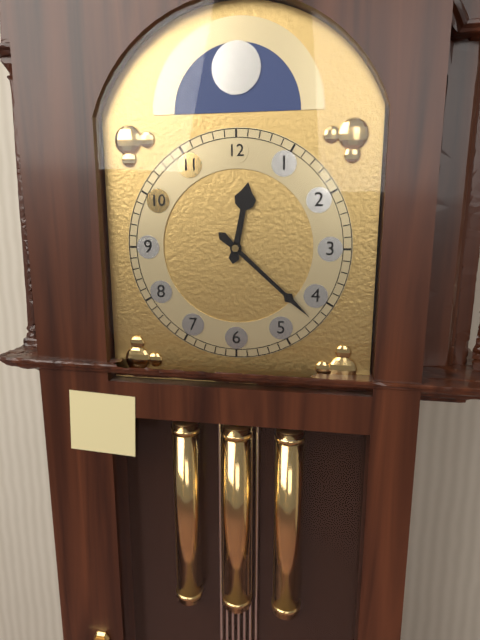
12:22
